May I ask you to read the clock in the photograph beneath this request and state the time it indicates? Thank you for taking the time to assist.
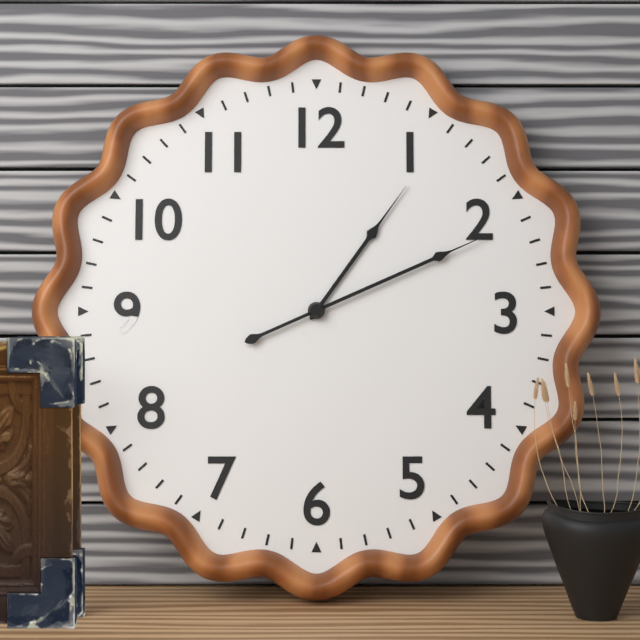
1:11
